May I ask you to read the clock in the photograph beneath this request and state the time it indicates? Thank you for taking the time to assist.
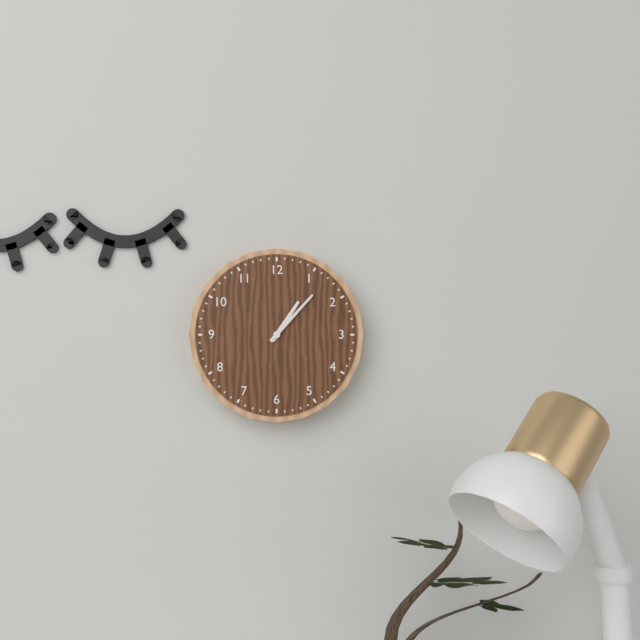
1:07
